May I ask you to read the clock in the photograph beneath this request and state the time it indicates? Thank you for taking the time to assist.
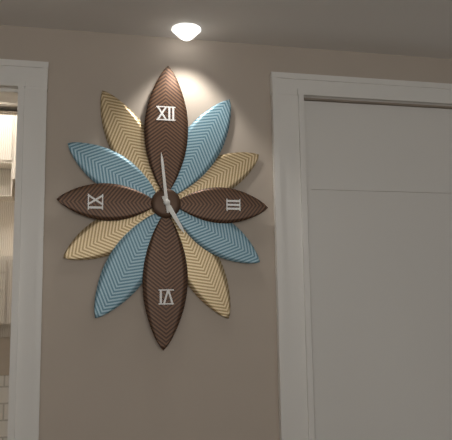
4:59
